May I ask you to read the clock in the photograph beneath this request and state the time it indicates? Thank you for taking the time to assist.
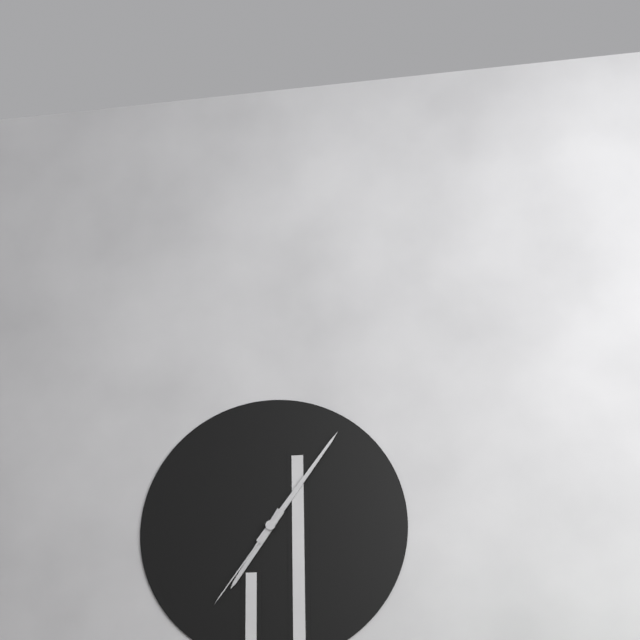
7:06:36
